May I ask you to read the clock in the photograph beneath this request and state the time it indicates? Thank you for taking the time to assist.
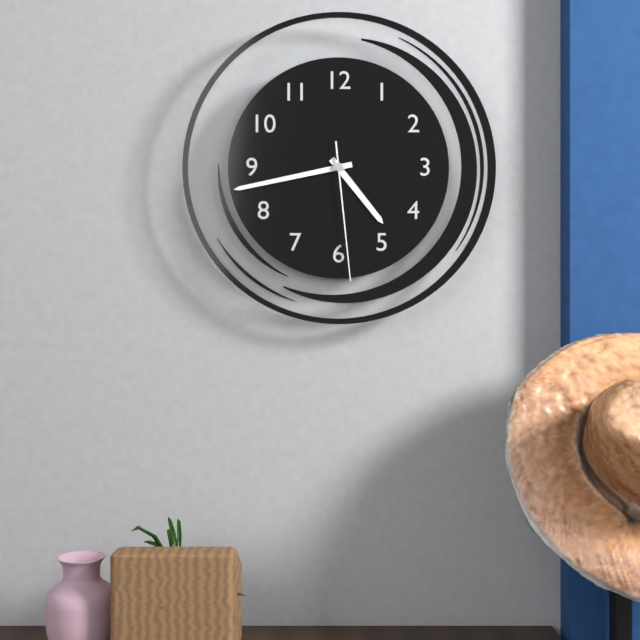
4:43:29
